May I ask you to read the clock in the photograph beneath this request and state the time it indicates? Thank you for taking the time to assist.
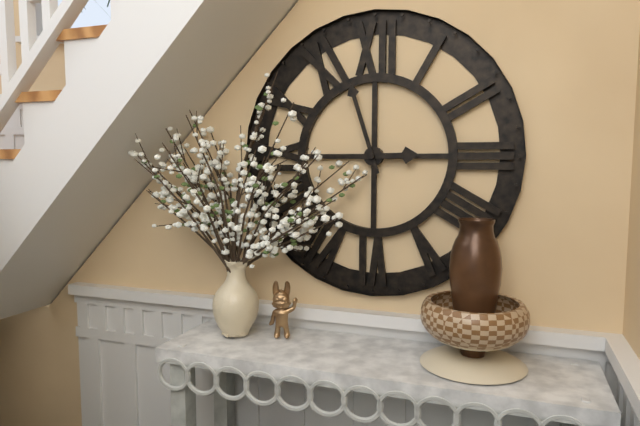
2:57
